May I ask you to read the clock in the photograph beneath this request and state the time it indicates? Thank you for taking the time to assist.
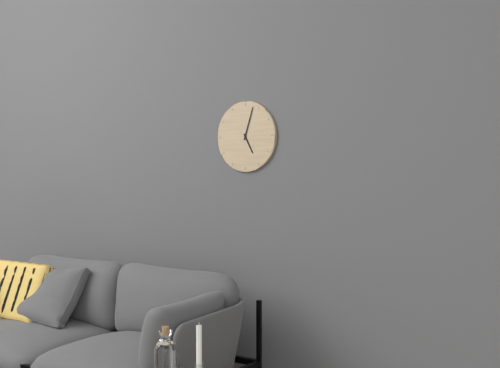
5:03
